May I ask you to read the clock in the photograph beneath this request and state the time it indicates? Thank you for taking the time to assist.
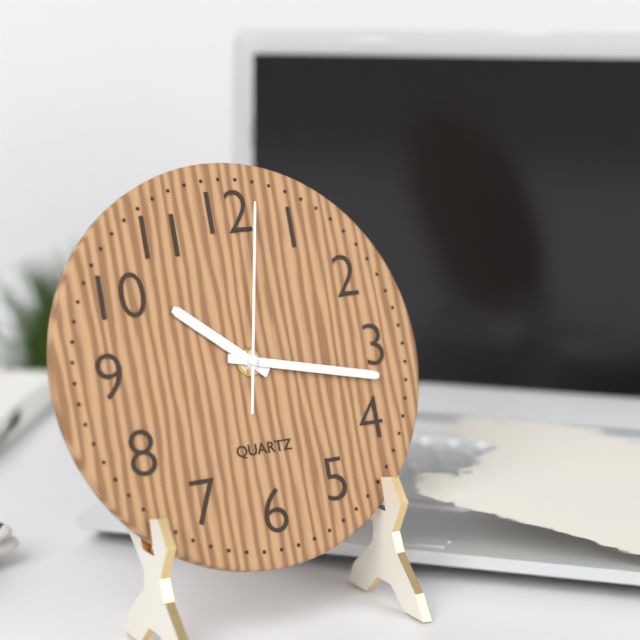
10:17:02
